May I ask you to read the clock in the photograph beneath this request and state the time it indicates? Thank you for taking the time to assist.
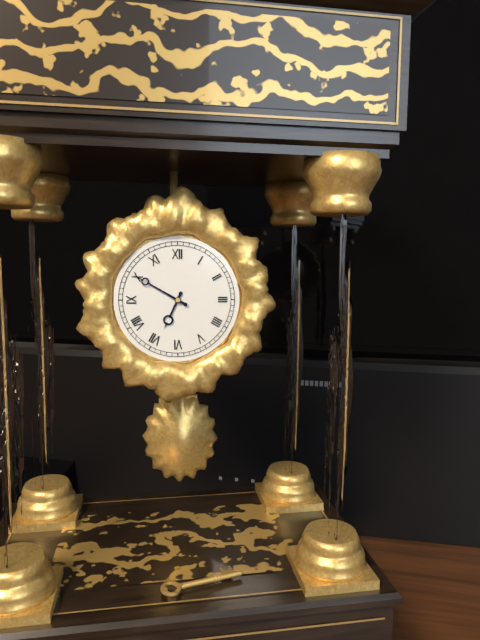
6:50
